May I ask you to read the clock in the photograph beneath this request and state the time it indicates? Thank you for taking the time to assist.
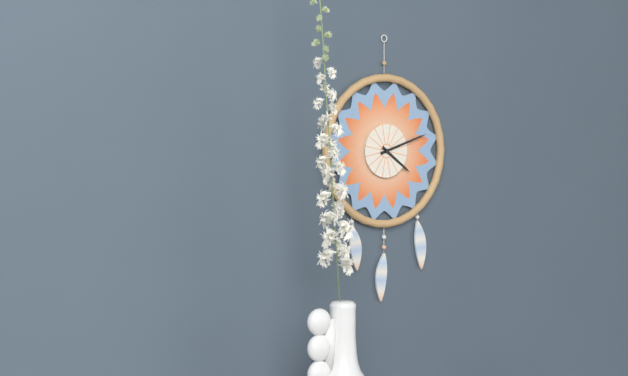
4:12
